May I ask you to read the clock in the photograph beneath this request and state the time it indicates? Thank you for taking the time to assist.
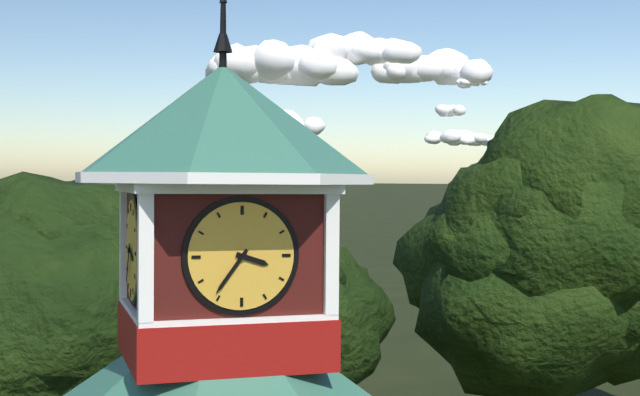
3:36
